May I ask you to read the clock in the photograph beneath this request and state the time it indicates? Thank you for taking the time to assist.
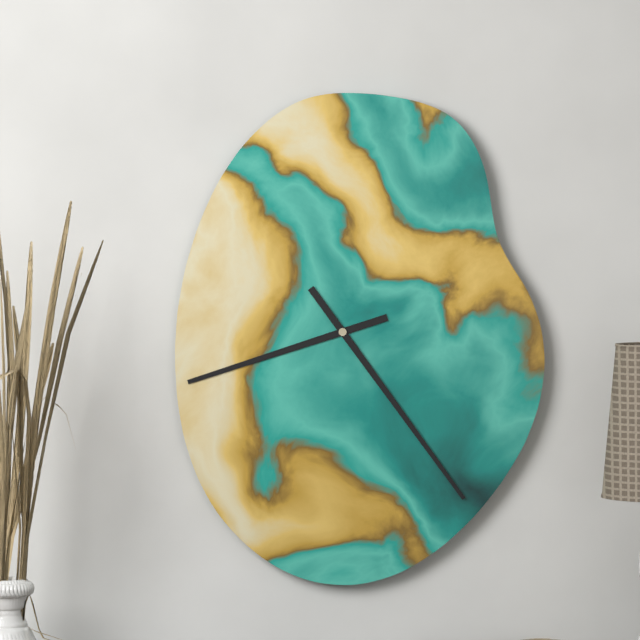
8:24
